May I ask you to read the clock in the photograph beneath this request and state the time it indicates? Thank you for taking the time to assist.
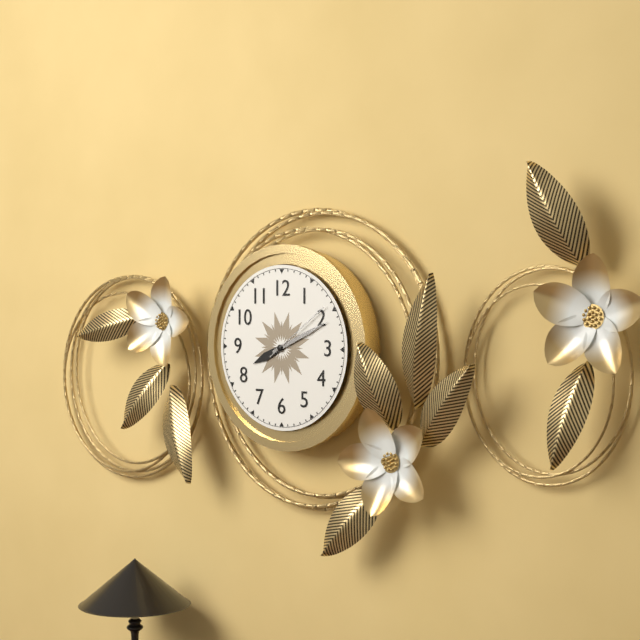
8:11:09
